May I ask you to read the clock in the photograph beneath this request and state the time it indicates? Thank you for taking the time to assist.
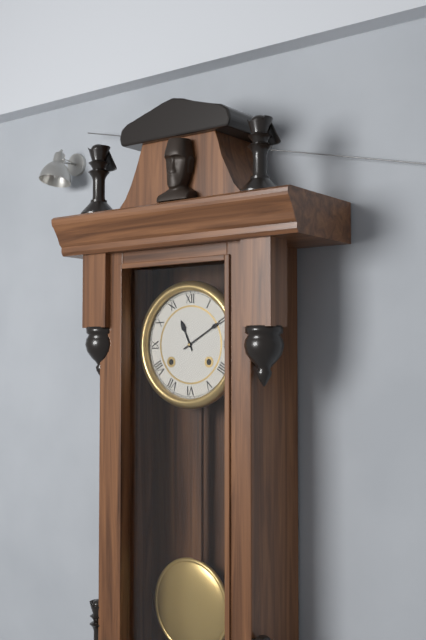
11:10
